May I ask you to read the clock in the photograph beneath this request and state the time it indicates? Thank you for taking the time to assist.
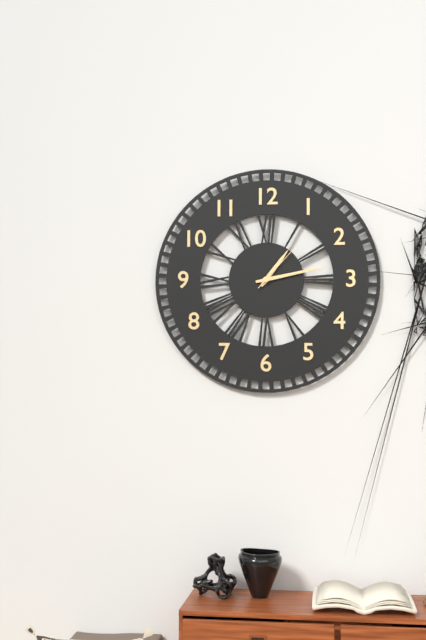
1:13:07
